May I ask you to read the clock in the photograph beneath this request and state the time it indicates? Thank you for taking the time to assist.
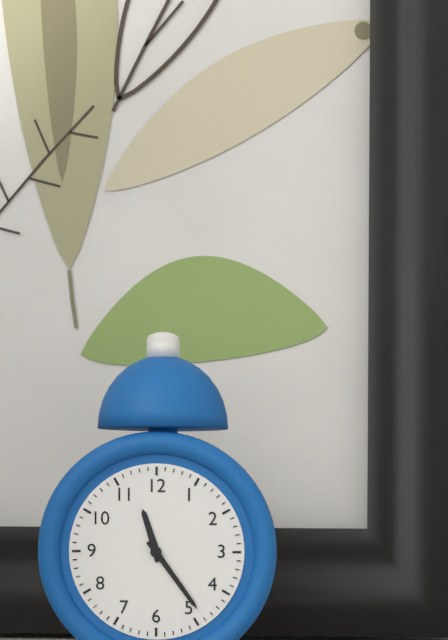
11:24
